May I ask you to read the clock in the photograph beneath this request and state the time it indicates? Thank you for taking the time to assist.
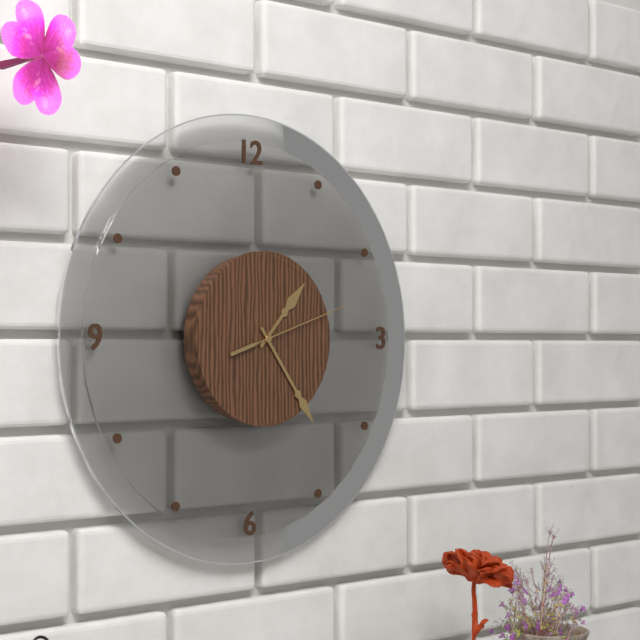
1:24:12
